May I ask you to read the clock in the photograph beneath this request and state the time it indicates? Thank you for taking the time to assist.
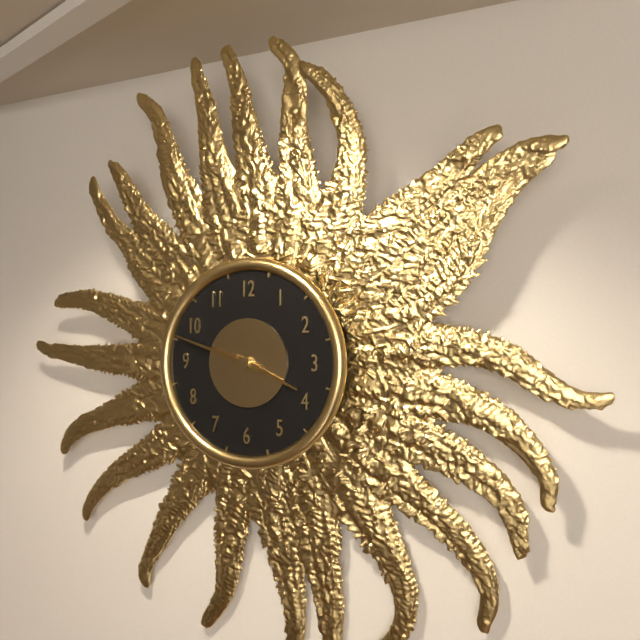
3:48
